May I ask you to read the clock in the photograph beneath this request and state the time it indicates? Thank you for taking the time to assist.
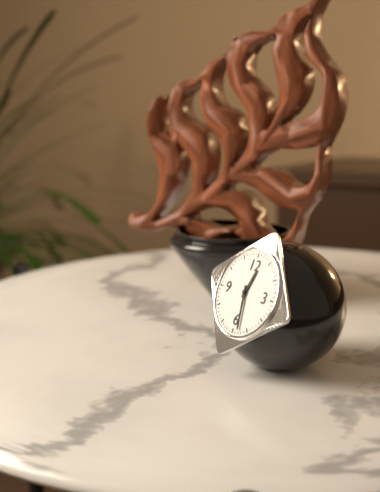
12:28
